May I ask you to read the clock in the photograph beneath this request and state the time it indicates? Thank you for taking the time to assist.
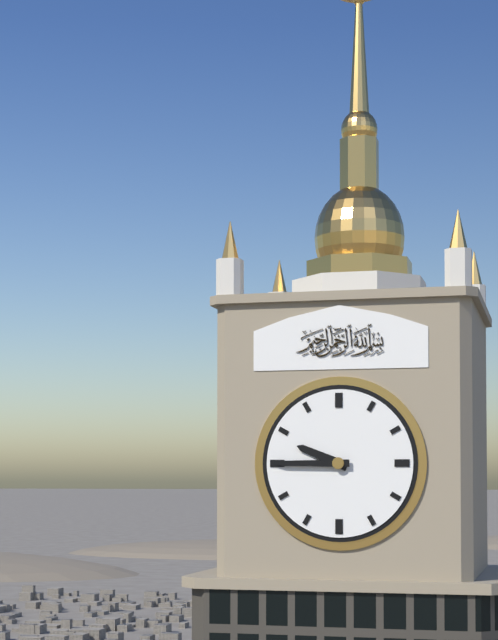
9:45
